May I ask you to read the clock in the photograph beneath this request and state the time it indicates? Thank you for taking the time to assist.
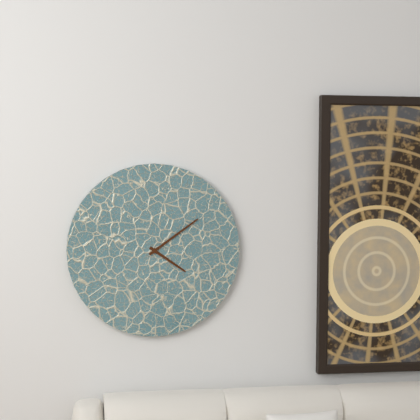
4:09
